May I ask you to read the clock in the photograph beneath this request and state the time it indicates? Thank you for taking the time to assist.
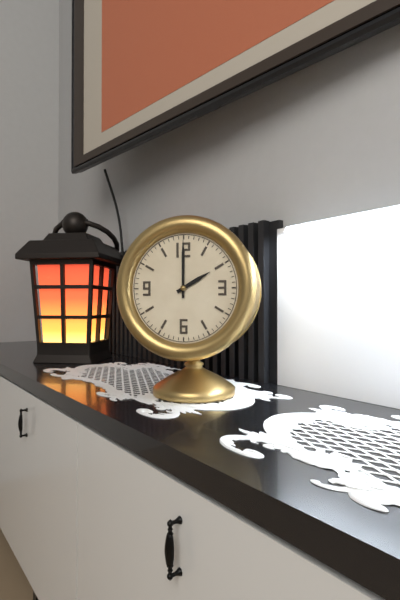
2:00
